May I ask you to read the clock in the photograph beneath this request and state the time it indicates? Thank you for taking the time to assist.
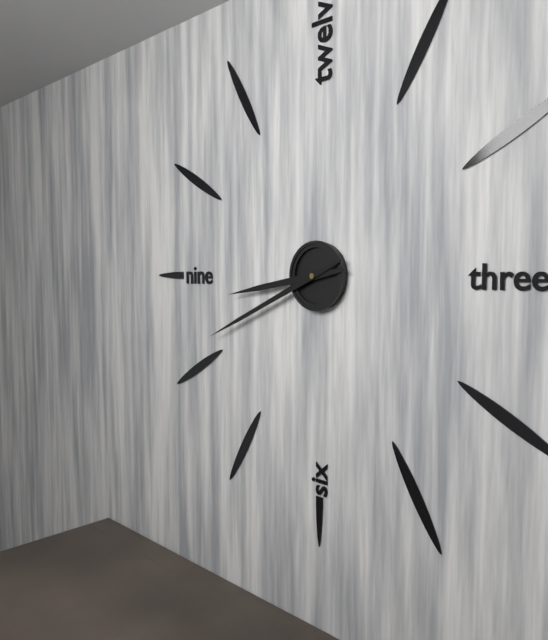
8:41
